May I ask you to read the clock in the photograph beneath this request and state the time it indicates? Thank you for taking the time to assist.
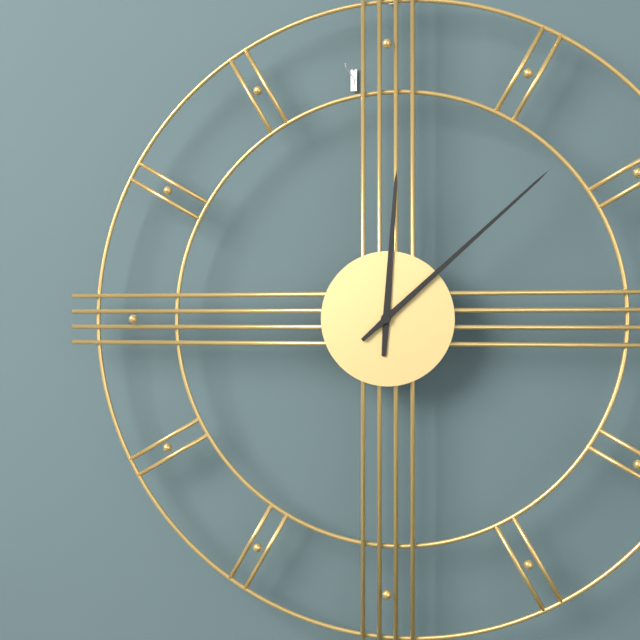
12:08
